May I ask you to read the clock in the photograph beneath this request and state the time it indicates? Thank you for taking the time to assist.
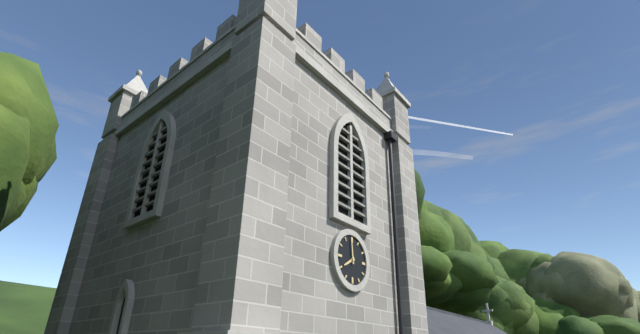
7:59
